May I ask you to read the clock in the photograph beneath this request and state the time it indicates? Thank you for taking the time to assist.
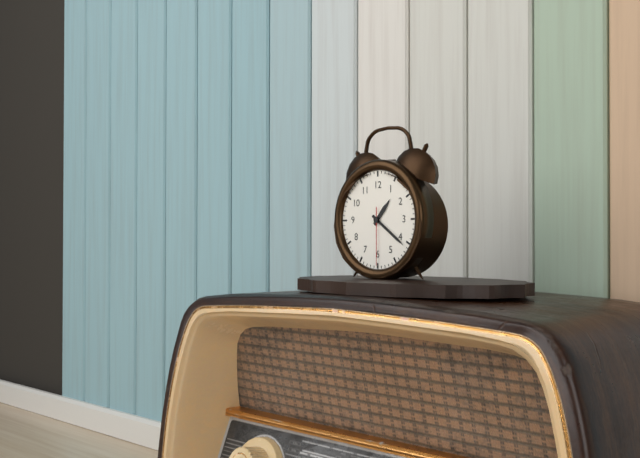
1:21:30
